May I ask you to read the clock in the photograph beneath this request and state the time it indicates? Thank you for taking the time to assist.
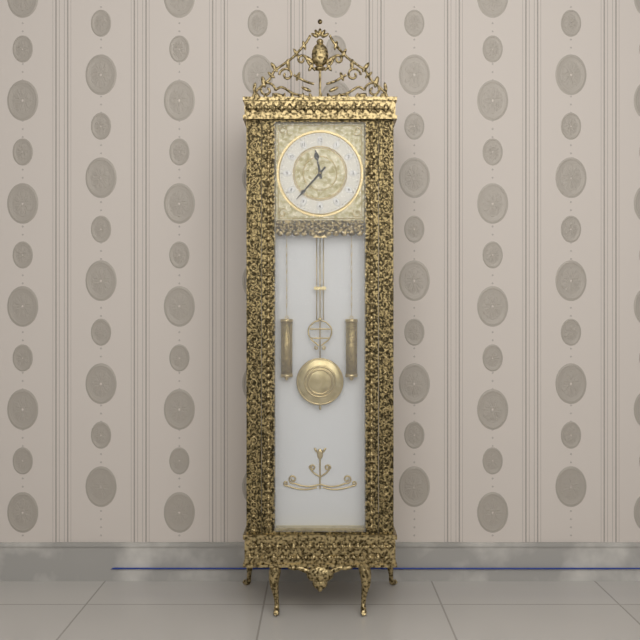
11:37
